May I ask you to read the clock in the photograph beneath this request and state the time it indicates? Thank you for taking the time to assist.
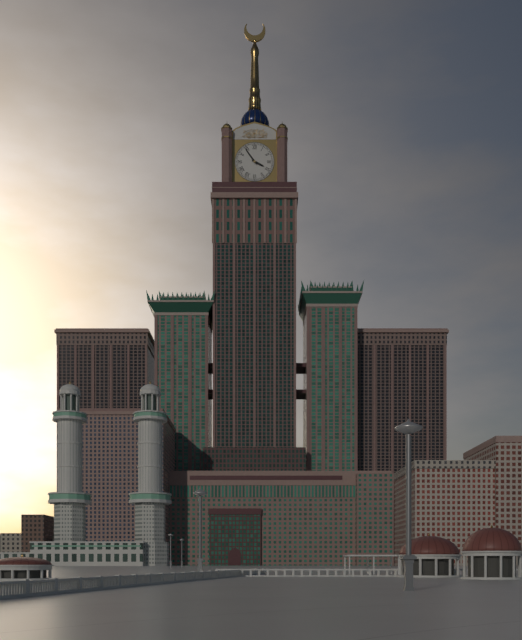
3:54
